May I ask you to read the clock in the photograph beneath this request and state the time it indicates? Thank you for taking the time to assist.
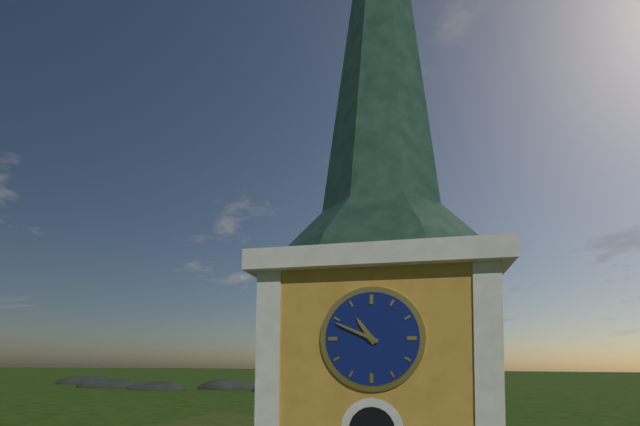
10:49
